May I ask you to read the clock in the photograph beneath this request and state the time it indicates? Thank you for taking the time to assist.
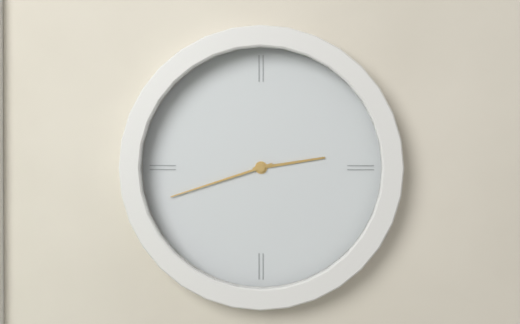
2:42
